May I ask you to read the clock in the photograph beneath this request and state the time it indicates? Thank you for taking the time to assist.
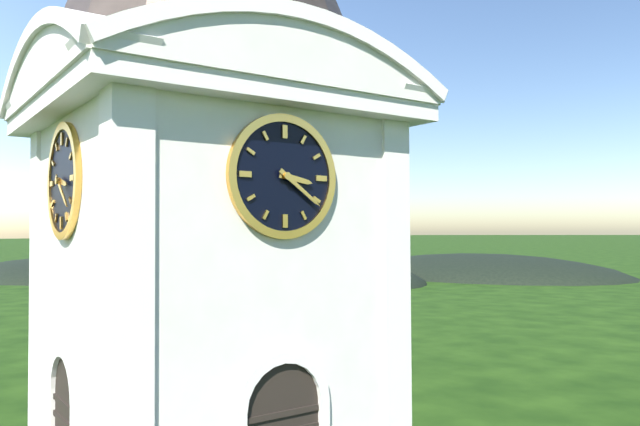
3:21
